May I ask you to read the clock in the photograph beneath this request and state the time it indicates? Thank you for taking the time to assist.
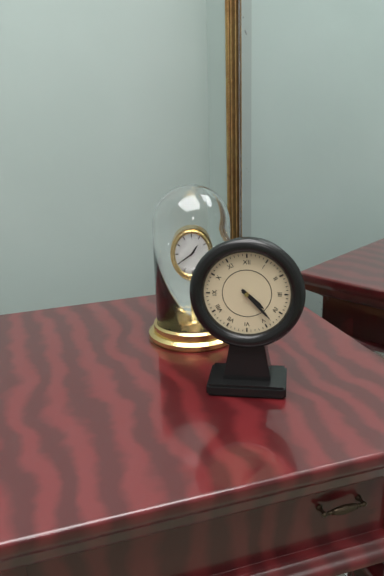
4:23
